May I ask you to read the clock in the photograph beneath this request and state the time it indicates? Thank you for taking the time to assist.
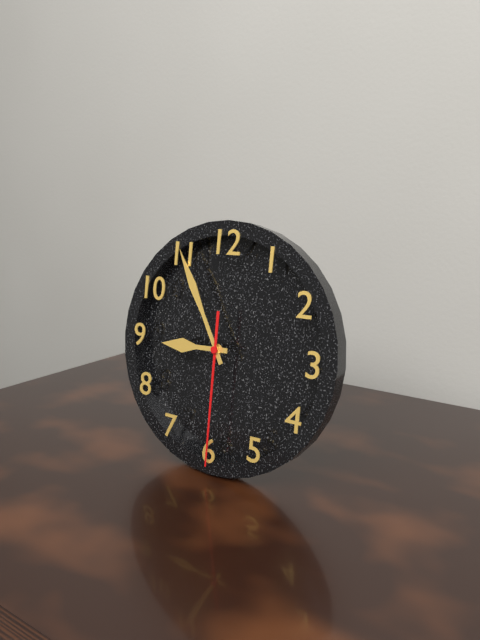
8:55:30
